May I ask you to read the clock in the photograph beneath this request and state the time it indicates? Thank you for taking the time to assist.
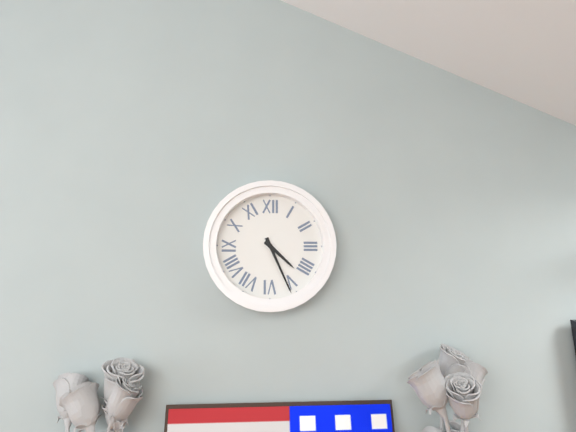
4:26
